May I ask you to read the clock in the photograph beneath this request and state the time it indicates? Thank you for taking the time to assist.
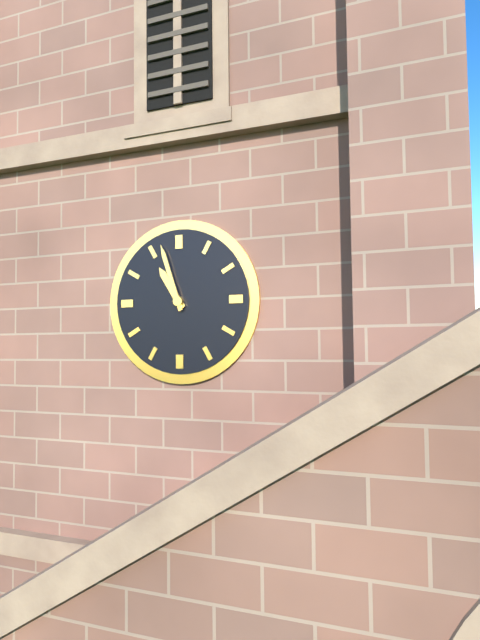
10:57
